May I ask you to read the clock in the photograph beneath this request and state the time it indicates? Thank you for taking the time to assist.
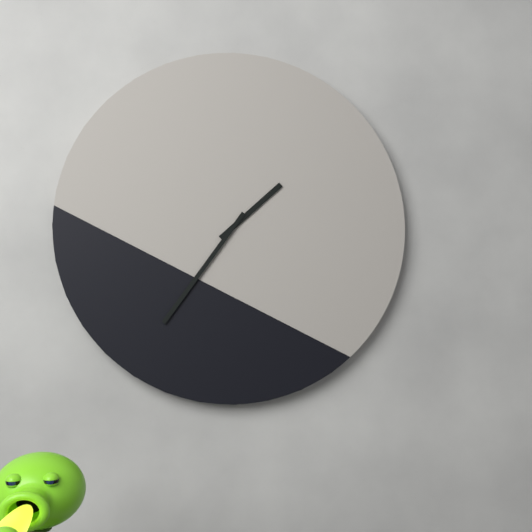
1:36
